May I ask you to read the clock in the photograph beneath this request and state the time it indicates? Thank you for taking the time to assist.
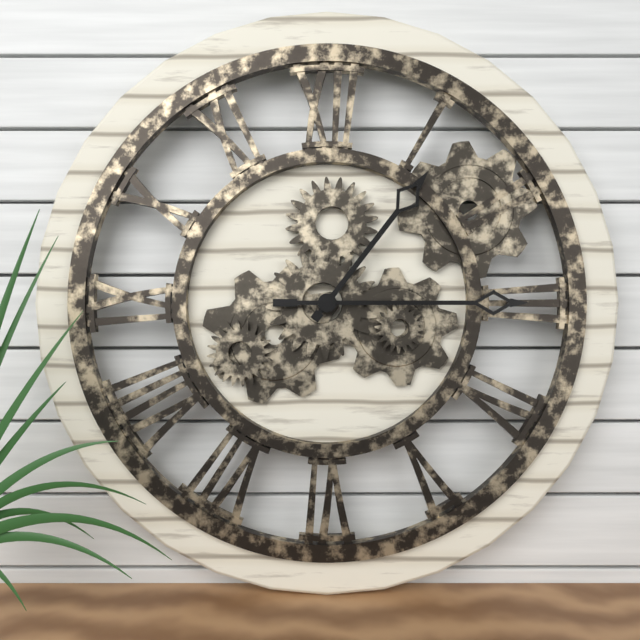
1:15
